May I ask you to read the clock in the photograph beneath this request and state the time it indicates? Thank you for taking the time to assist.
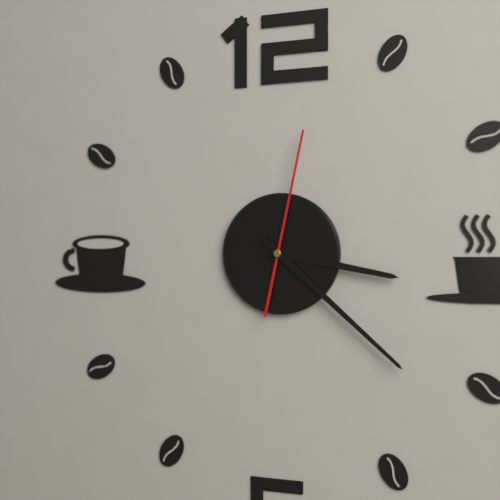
3:22:02
